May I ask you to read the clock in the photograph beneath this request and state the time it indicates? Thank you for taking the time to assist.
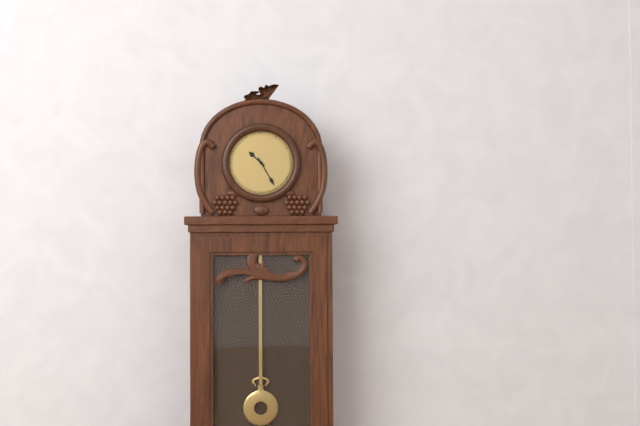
10:25
